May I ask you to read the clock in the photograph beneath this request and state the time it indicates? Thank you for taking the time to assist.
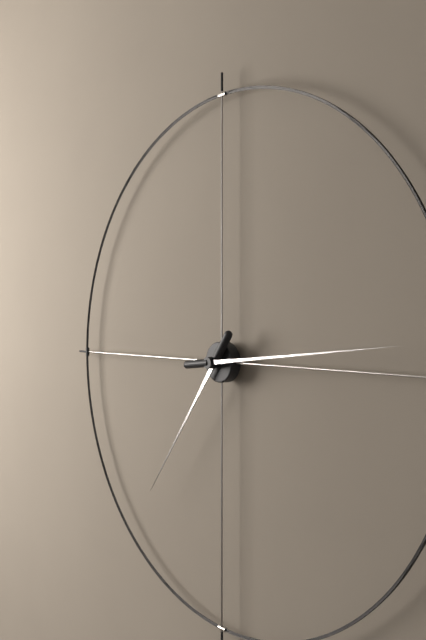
7:14
